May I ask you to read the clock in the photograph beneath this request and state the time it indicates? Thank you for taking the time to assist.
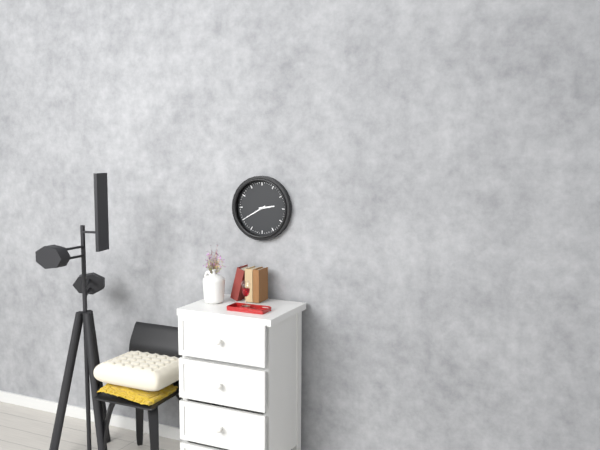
2:40
